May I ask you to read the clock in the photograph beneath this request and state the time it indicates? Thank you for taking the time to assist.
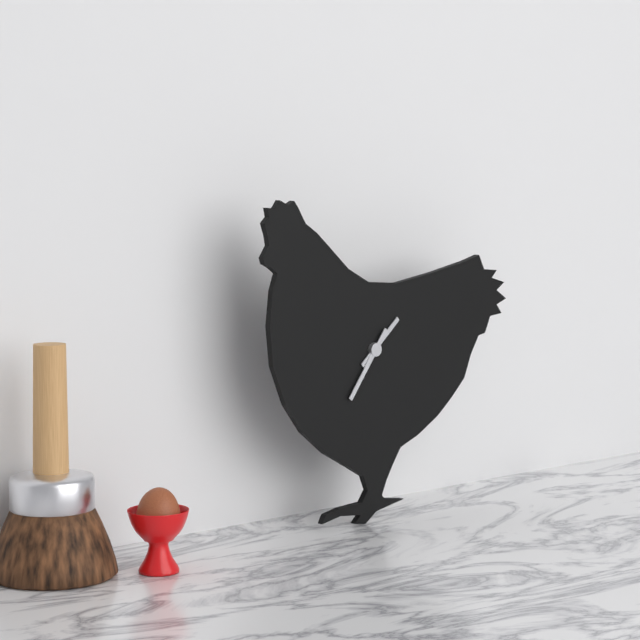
1:36
